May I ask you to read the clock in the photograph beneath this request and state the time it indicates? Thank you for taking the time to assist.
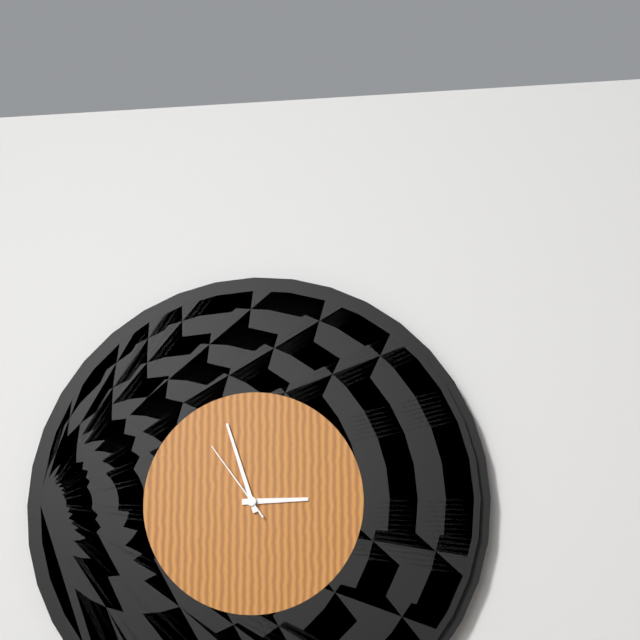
2:57:54
